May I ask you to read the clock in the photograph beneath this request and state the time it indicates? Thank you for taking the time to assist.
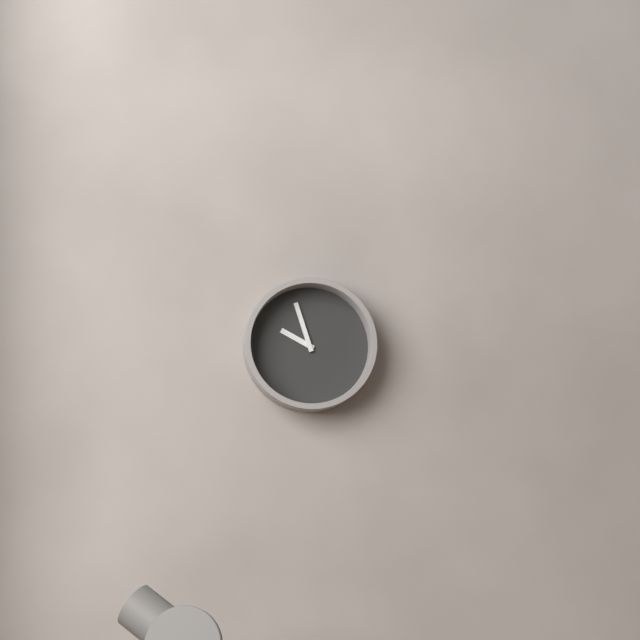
9:57
